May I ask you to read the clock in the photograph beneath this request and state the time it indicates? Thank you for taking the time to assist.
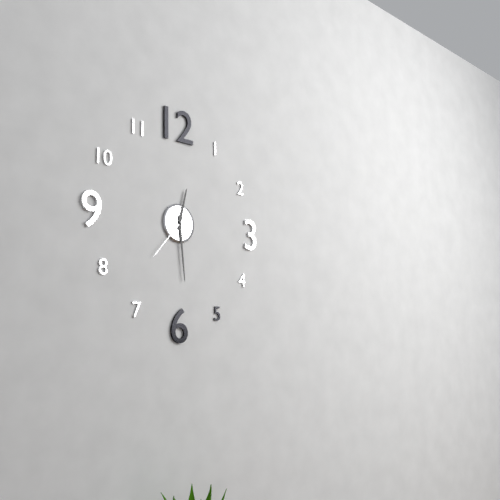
12:29:37
